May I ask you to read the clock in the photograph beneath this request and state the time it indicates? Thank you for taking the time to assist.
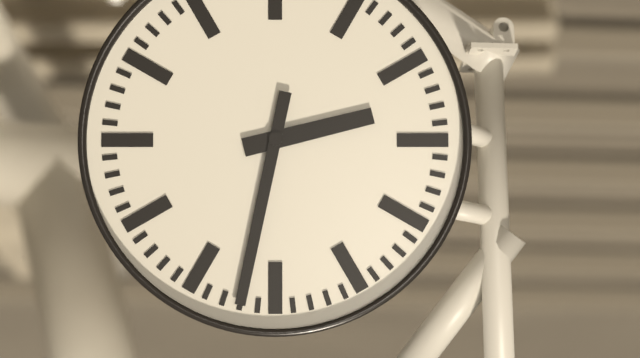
2:32
